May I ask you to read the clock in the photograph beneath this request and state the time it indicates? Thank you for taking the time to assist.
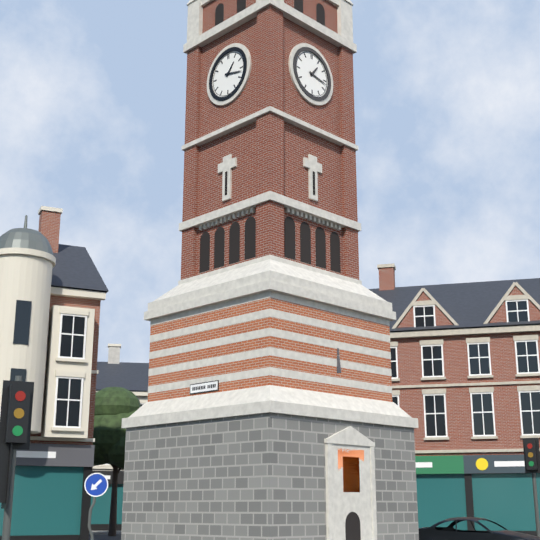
1:17
